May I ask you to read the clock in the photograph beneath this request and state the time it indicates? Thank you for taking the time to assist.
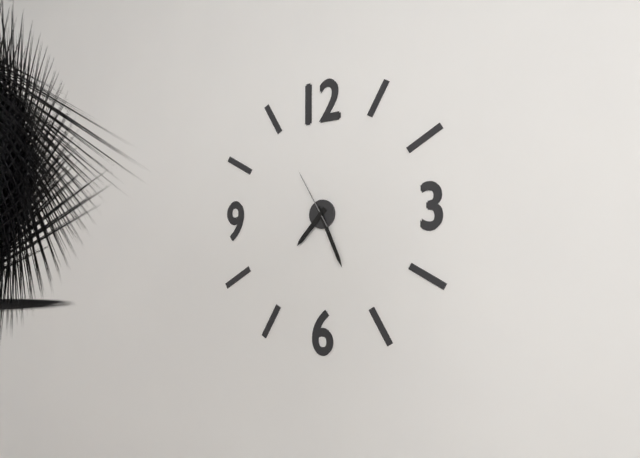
7:26:55
